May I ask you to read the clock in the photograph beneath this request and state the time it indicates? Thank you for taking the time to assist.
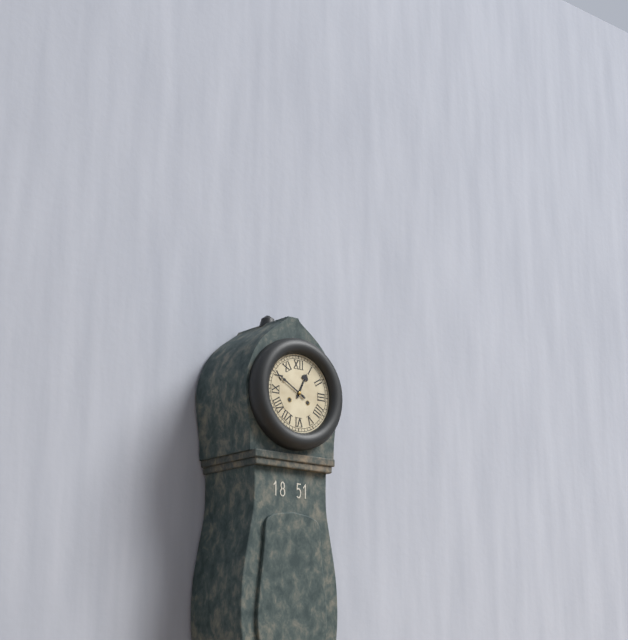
12:50
